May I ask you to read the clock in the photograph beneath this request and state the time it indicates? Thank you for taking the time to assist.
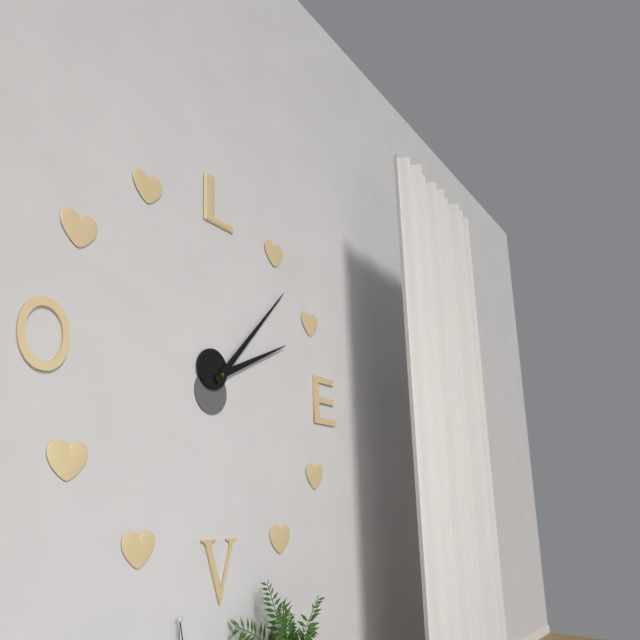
2:07
